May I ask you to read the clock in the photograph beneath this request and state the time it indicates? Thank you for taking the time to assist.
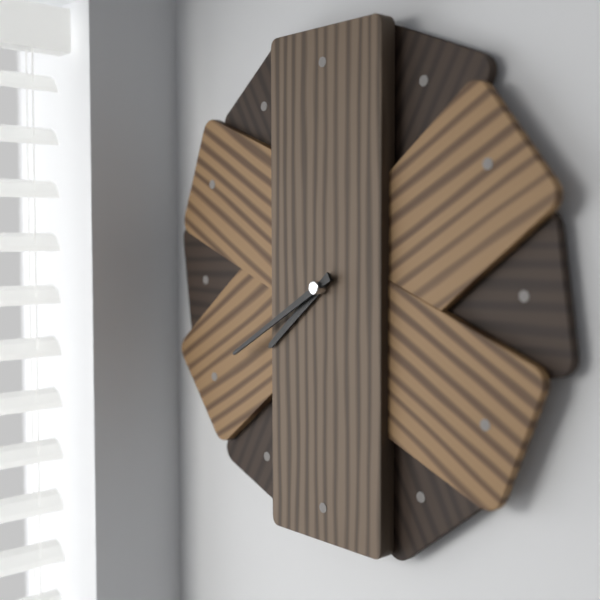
7:40
